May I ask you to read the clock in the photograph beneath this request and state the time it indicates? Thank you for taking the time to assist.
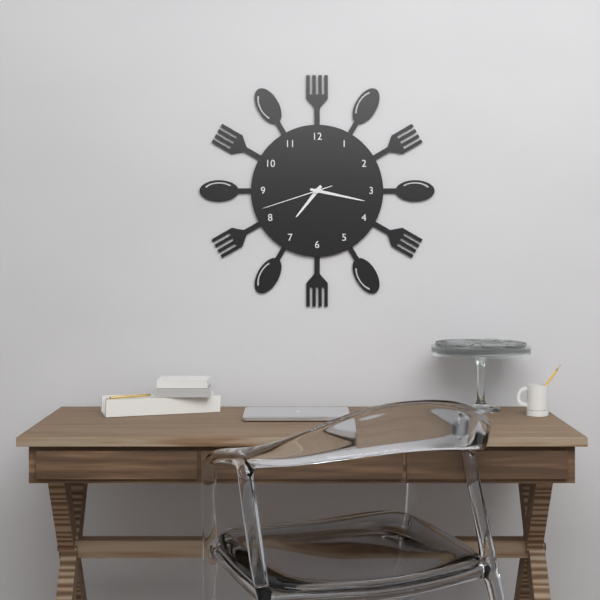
7:17:42
